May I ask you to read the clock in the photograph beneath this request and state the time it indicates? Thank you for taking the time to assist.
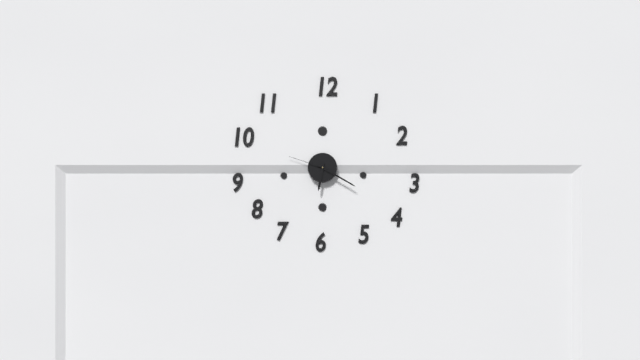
6:20
